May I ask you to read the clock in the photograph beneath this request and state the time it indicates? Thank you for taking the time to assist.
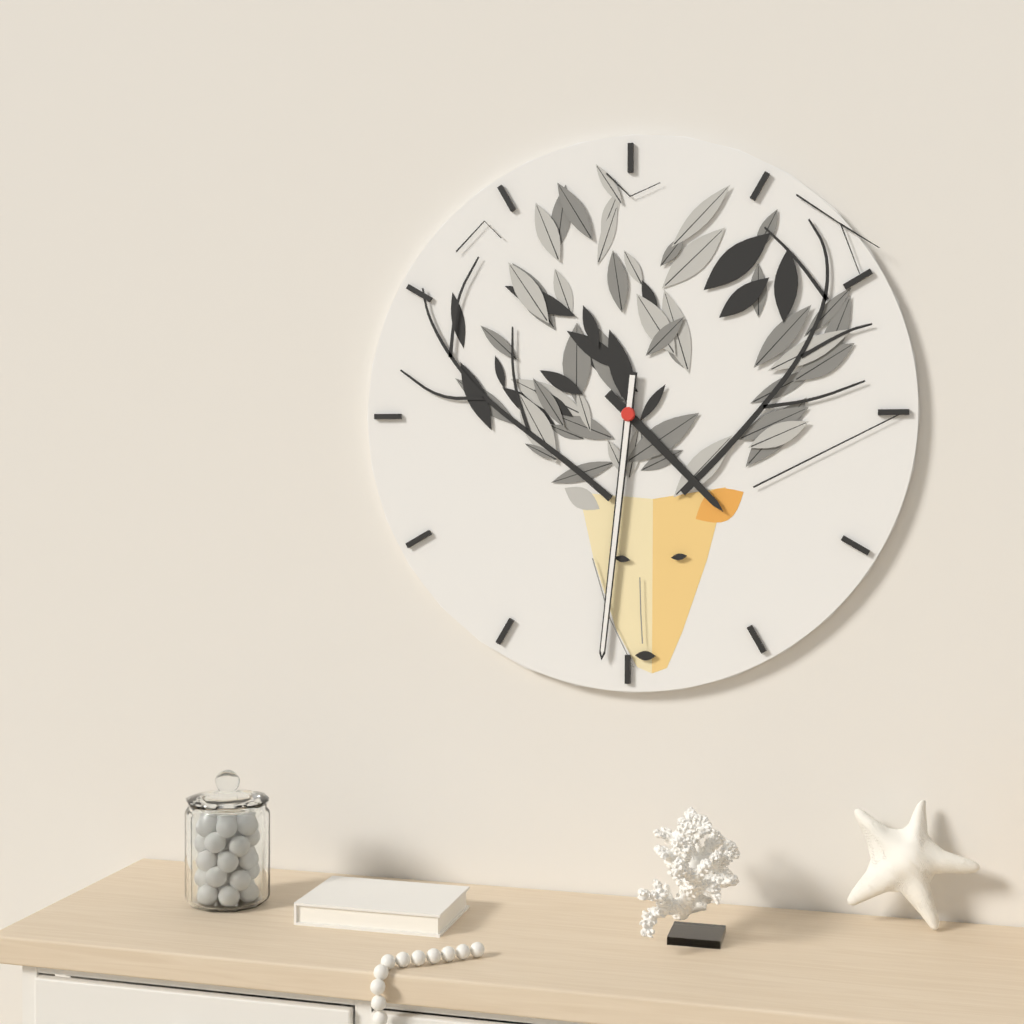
4:31
